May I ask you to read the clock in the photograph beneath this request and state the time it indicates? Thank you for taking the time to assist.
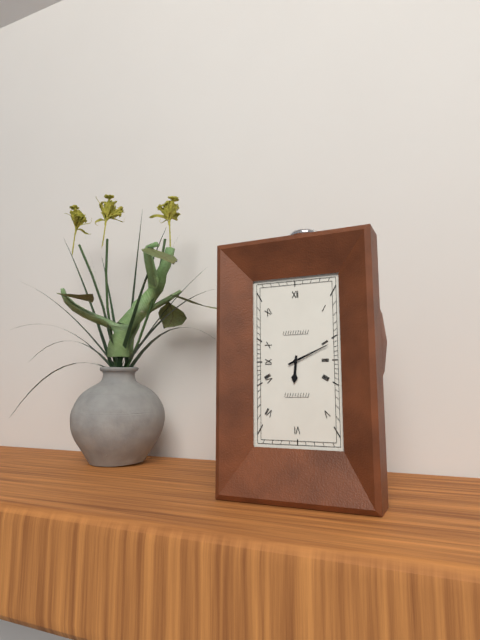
6:11
